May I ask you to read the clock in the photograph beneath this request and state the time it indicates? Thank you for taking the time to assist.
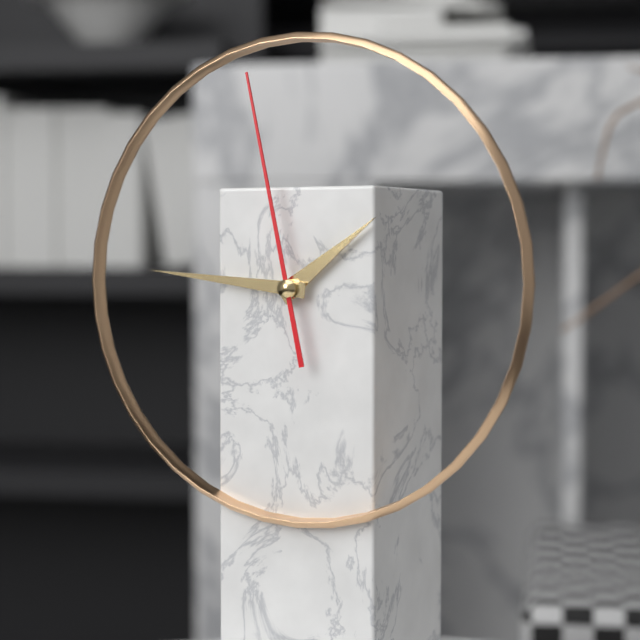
1:46:58
